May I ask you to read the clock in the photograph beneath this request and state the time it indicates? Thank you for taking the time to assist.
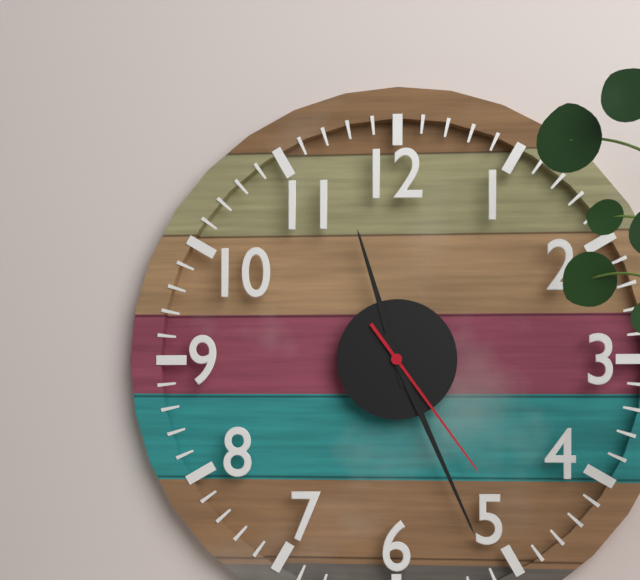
11:26:24
